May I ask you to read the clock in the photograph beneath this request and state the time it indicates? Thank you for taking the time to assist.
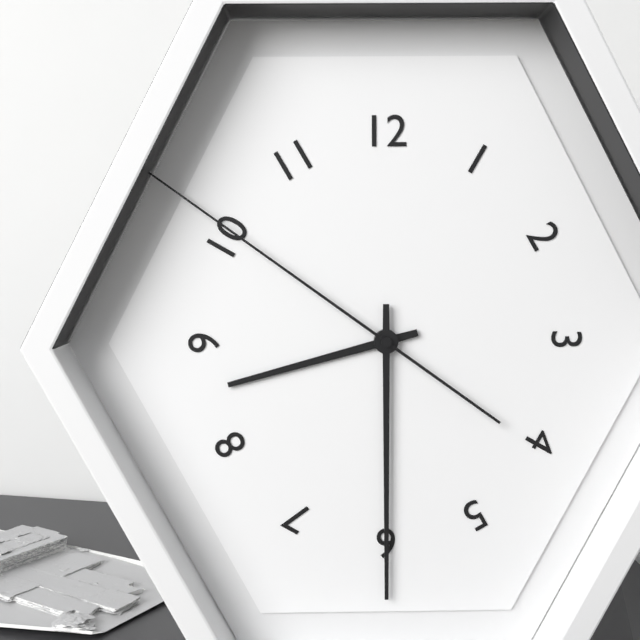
8:30:51
